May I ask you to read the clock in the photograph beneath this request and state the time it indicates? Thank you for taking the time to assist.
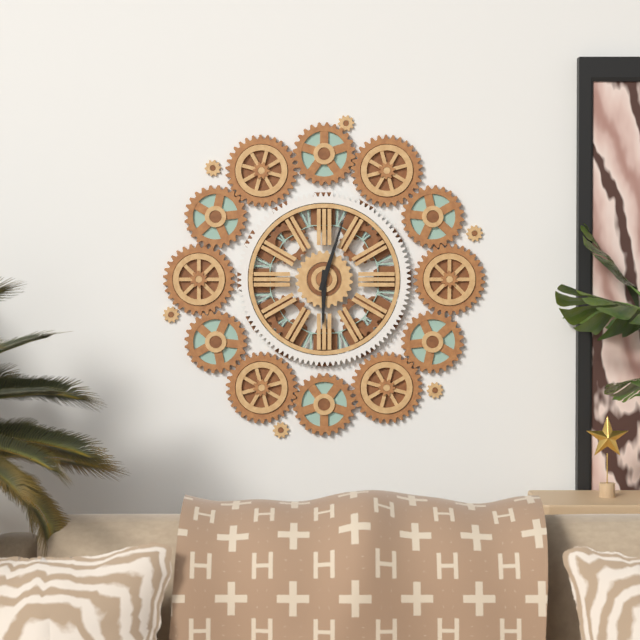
6:03
